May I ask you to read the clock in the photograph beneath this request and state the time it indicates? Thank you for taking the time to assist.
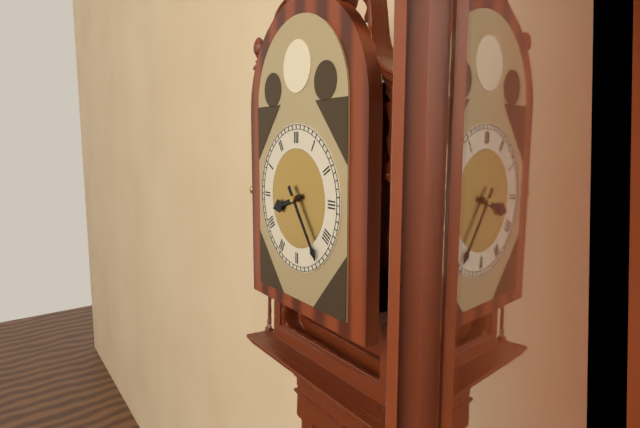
8:24
